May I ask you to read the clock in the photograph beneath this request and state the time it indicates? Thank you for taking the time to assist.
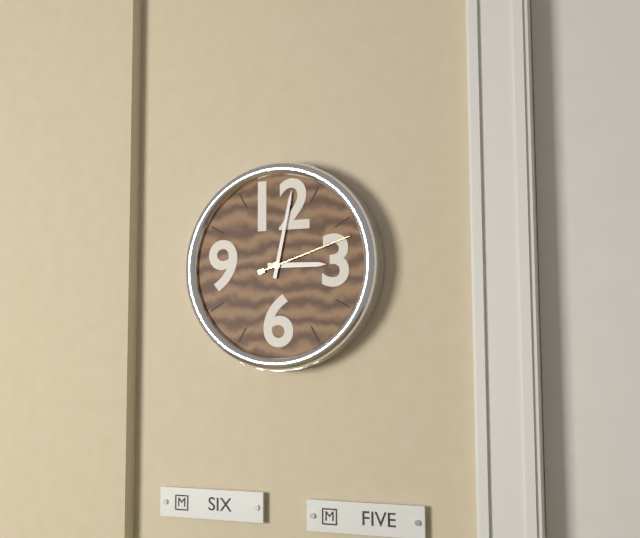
3:02:12
